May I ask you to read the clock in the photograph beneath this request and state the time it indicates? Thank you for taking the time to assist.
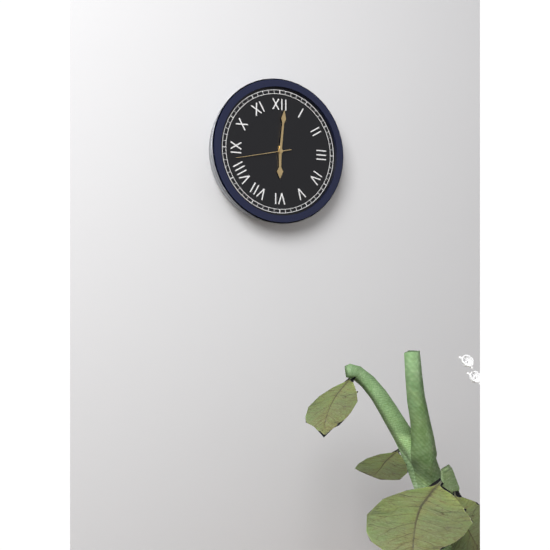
6:01:43
